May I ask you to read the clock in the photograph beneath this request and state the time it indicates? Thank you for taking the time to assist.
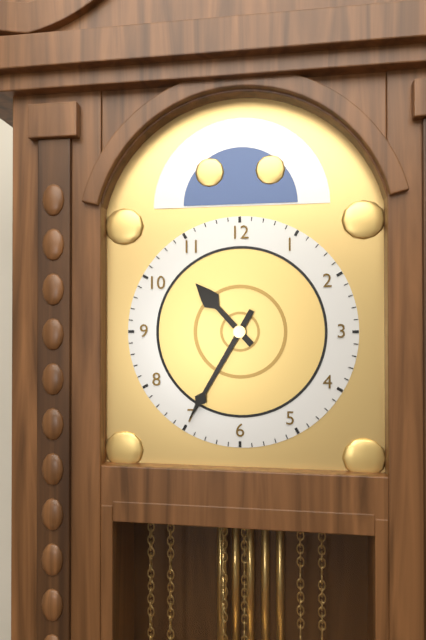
10:35
